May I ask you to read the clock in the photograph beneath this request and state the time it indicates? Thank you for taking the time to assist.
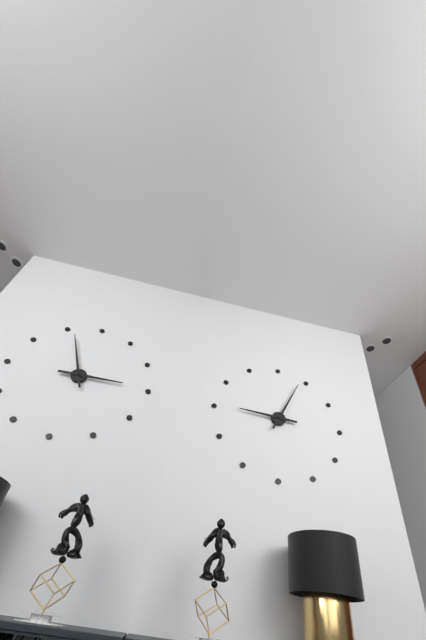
9:04
